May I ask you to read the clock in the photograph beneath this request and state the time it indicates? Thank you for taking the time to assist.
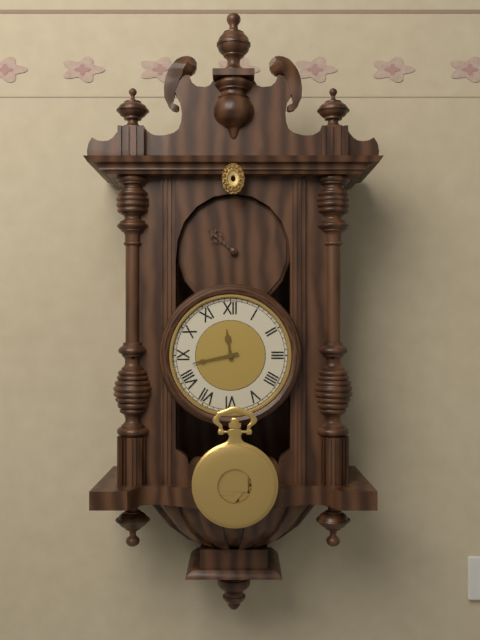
11:43
